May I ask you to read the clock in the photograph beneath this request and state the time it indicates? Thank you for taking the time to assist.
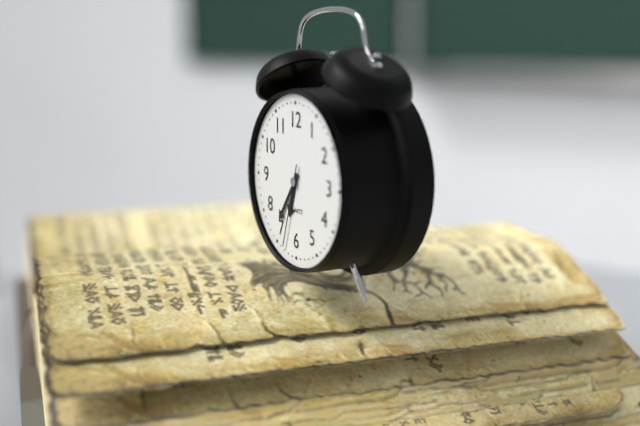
6:36:33
